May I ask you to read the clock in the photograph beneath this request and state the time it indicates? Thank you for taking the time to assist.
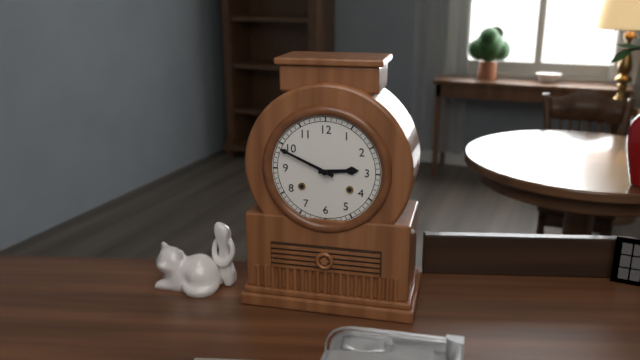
2:49
